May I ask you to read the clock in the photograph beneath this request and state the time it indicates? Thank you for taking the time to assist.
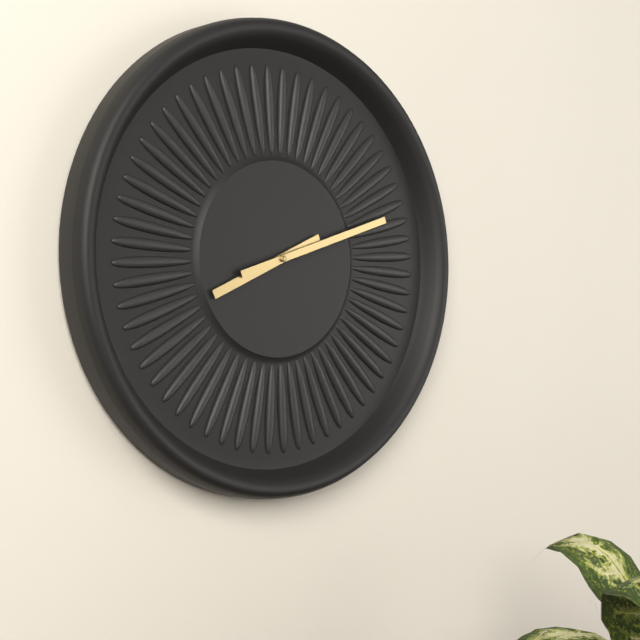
8:12
